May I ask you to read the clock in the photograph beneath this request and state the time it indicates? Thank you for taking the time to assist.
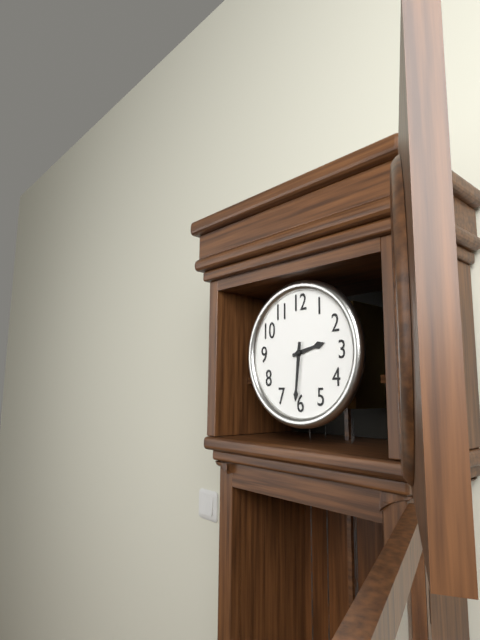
2:31
